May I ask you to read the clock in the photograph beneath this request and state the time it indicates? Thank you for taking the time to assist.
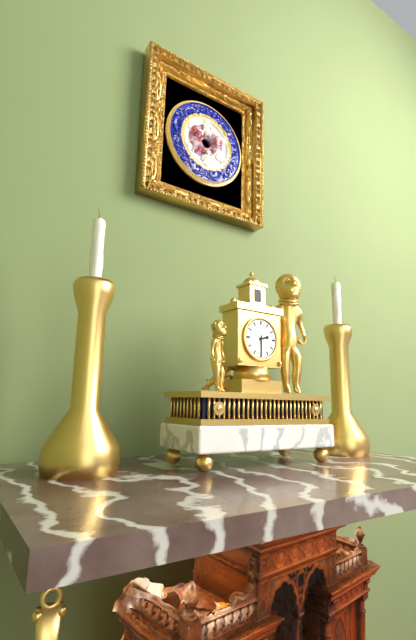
2:30
